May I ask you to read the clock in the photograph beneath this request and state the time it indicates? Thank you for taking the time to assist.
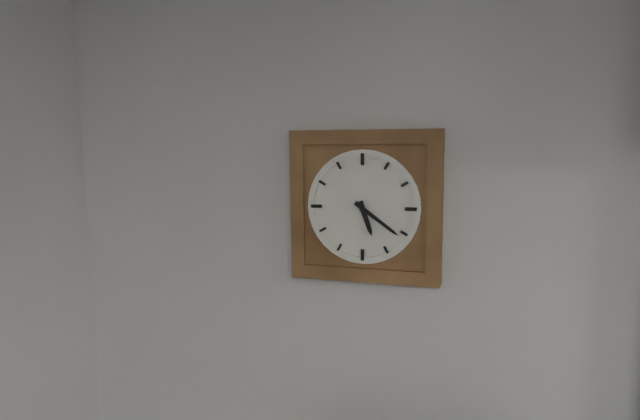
5:21
